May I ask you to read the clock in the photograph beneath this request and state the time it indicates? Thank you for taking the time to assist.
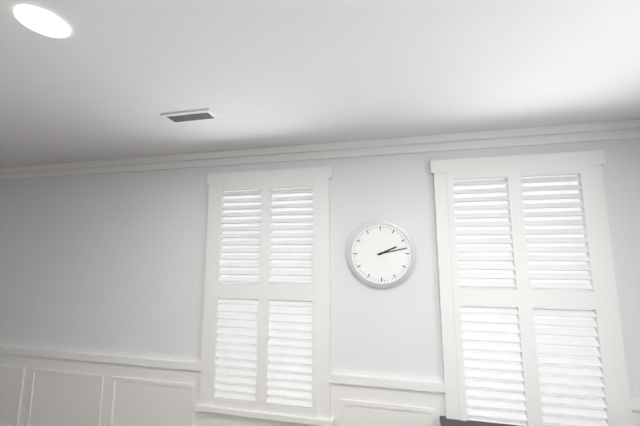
2:13
